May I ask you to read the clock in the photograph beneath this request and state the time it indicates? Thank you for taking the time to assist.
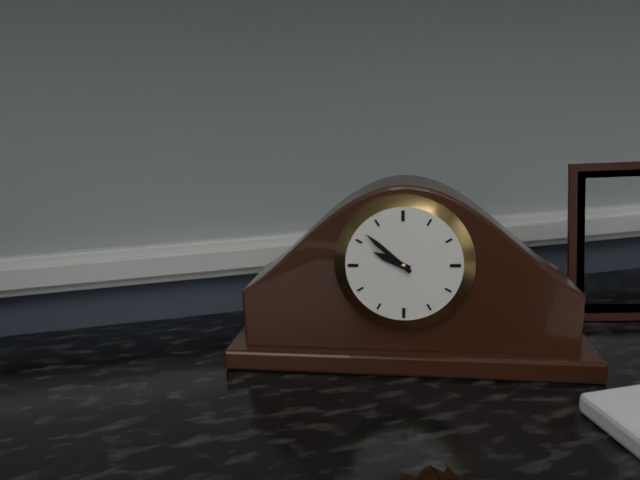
9:52
